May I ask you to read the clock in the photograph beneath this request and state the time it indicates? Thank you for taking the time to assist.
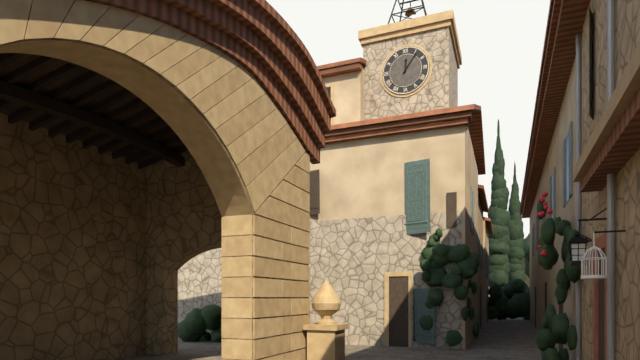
12:06
